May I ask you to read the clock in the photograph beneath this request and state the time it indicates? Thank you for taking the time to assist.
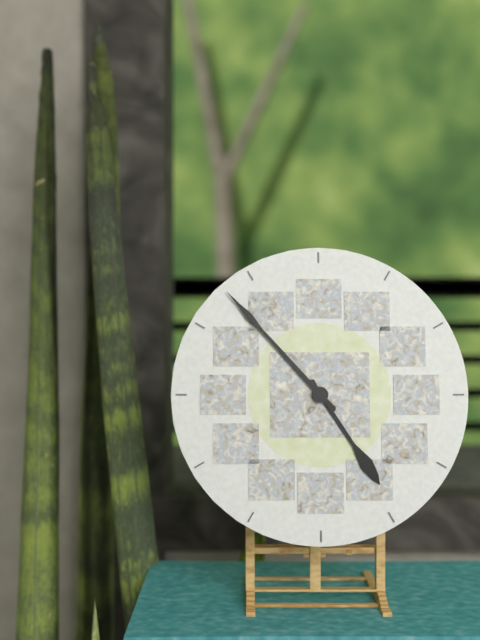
4:53
